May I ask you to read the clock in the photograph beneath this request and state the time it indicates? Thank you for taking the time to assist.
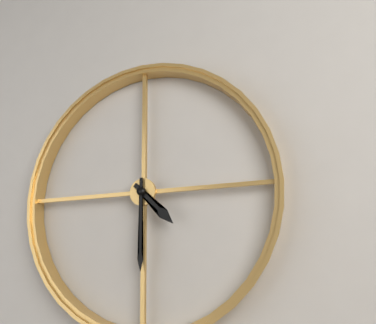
4:30
